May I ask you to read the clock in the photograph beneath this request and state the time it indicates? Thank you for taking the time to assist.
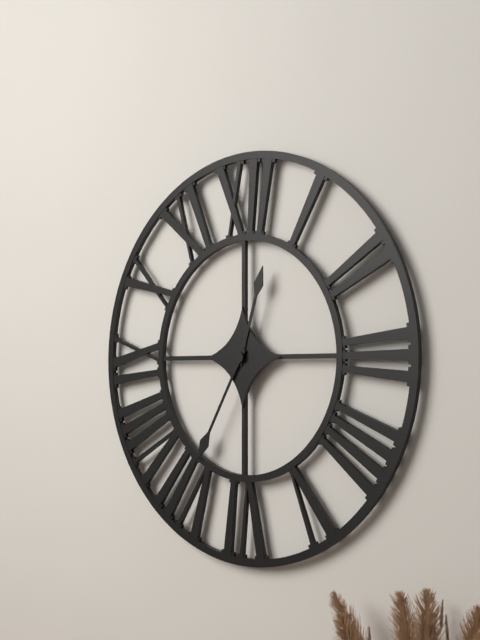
12:35
